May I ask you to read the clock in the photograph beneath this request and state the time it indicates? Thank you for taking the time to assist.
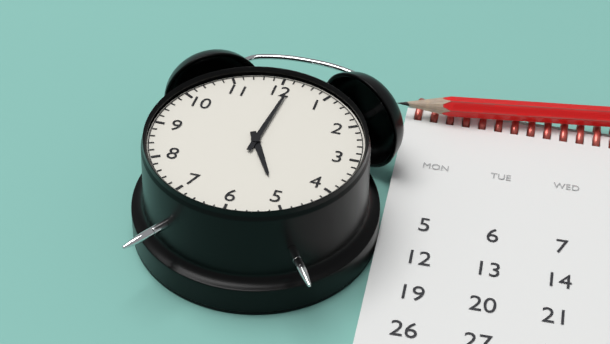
5:01
